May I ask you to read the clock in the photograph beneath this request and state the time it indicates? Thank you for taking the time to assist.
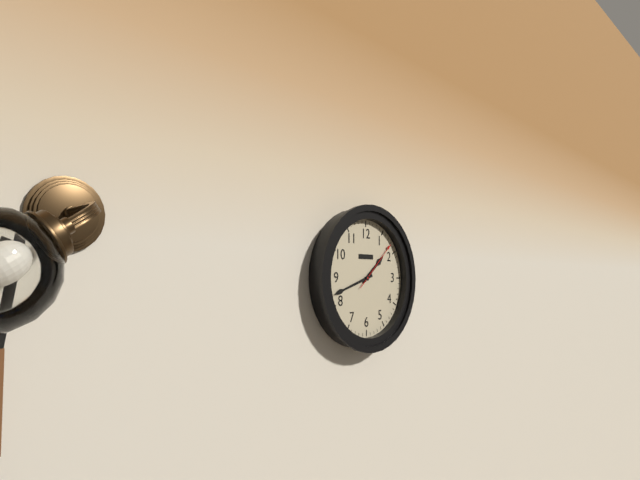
1:42:08
